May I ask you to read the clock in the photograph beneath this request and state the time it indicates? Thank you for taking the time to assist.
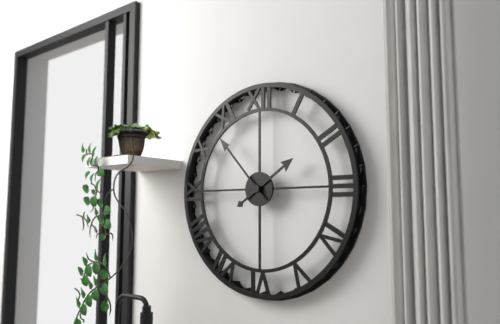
1:53
